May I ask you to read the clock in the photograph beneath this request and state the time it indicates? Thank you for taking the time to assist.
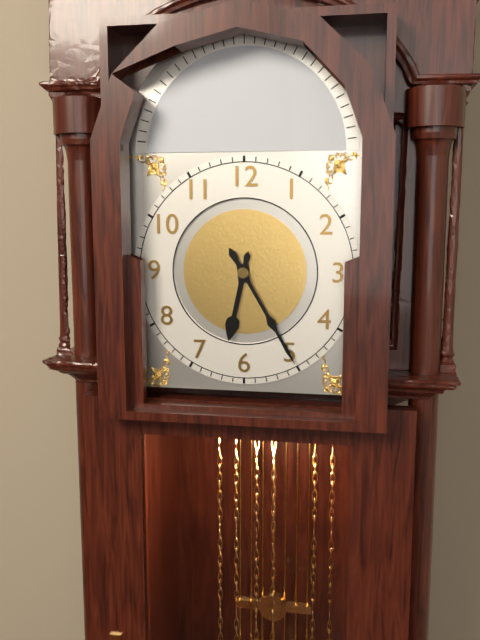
6:25
